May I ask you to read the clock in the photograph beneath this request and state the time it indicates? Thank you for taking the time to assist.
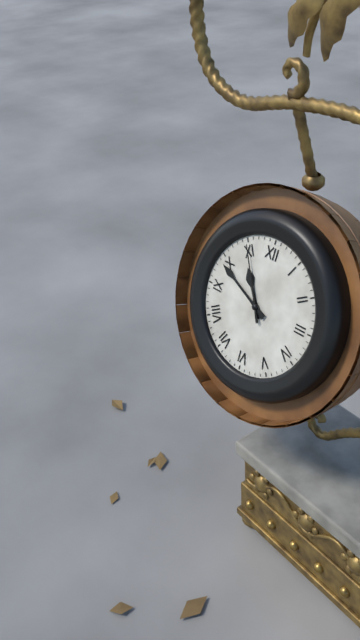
10:49:55
